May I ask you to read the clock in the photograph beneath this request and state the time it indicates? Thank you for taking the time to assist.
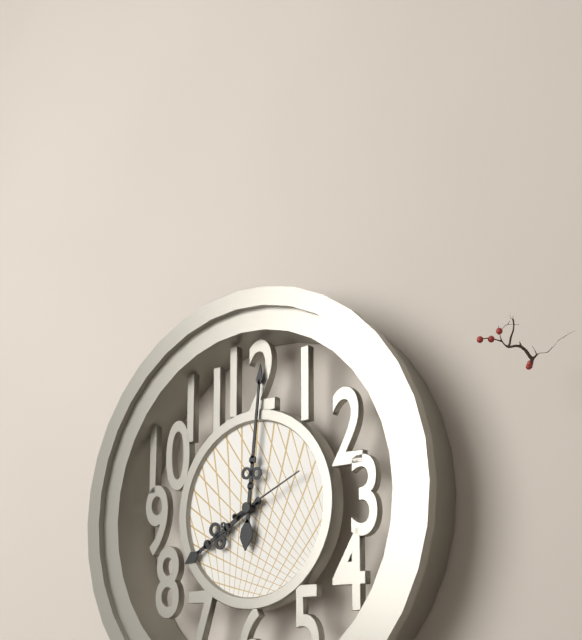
8:01:11
